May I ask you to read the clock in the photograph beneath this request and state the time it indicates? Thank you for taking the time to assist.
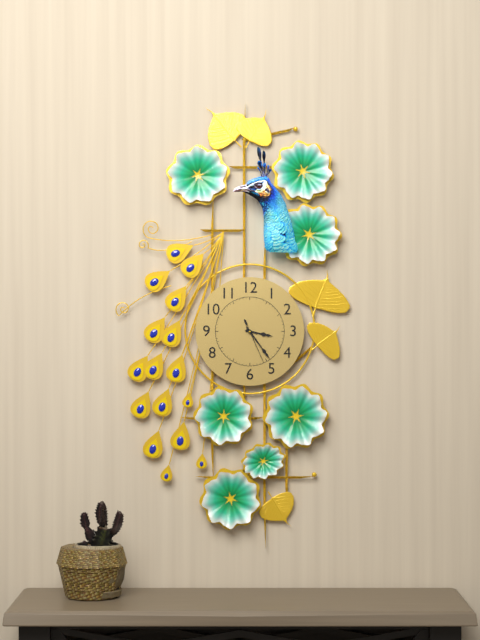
3:24
